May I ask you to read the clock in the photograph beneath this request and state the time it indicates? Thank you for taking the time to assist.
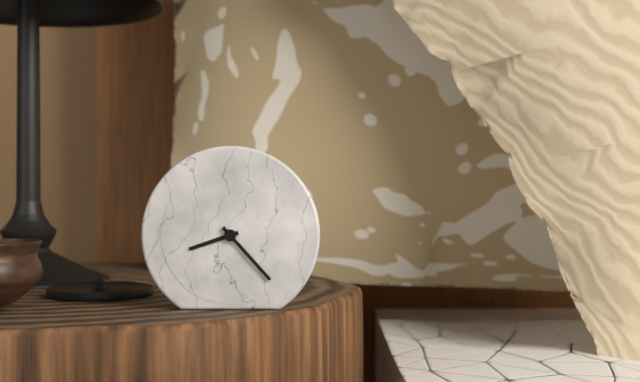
8:23
